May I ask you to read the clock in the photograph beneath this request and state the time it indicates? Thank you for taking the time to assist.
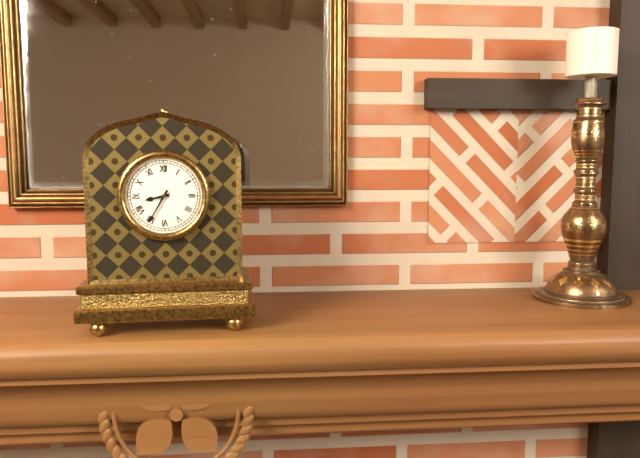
8:35
